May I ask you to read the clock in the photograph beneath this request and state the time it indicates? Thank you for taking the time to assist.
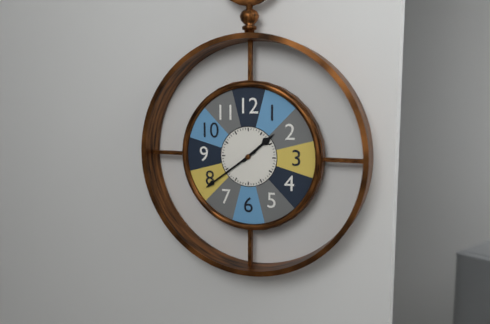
1:39
